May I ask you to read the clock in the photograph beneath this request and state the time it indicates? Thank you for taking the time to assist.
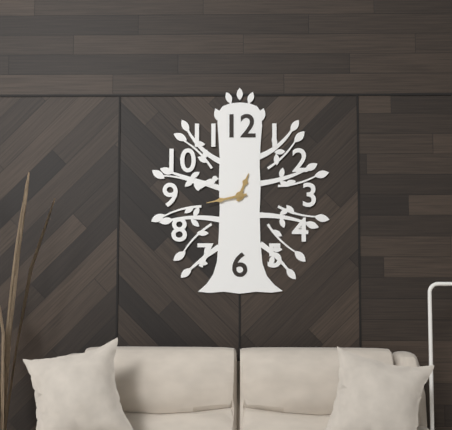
12:43
